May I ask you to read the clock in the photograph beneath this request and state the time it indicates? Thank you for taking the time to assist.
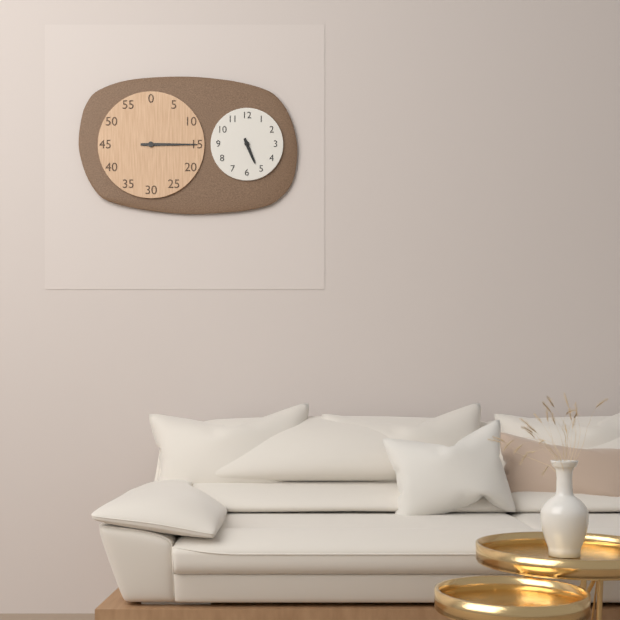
5:15
